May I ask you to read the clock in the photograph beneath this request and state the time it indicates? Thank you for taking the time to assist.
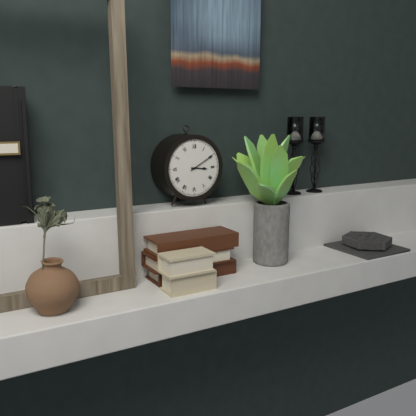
3:10
